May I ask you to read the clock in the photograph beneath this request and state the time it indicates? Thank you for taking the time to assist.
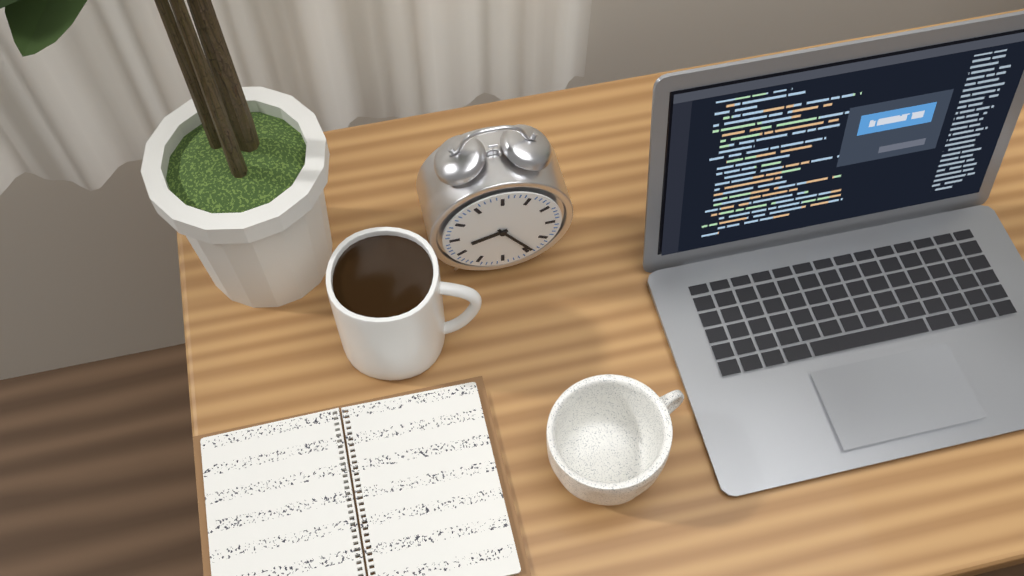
8:24
